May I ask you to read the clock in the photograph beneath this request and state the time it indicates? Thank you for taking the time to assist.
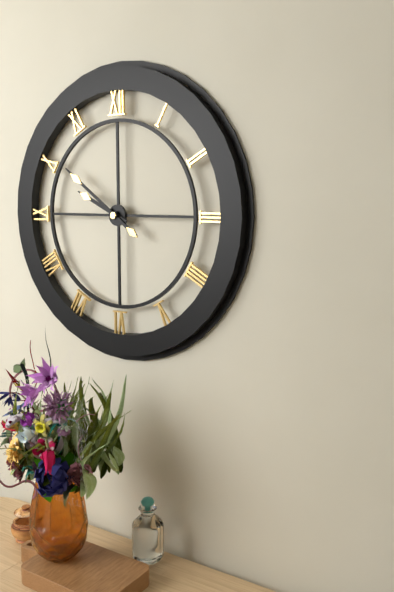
9:51
